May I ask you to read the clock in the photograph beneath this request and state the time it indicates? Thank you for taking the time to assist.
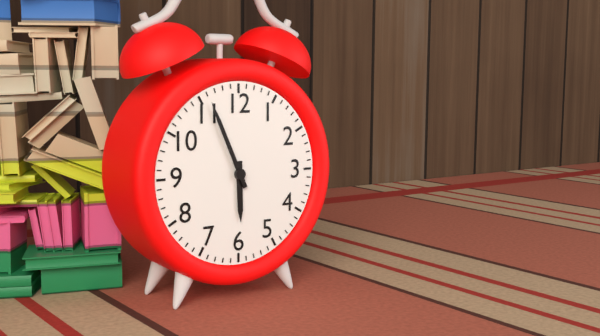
5:56
